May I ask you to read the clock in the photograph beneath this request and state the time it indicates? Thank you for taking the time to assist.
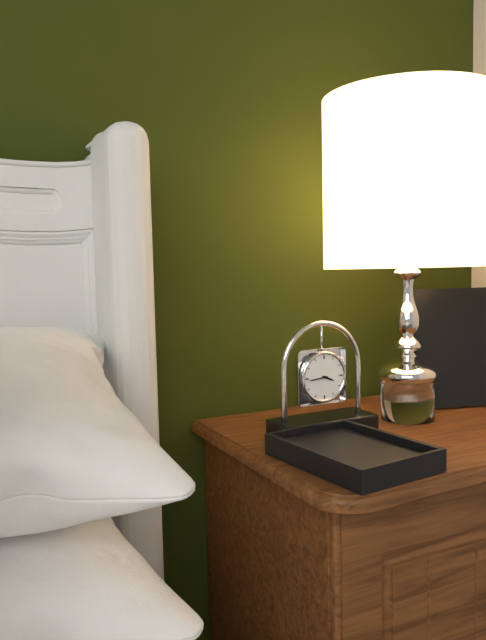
3:44
